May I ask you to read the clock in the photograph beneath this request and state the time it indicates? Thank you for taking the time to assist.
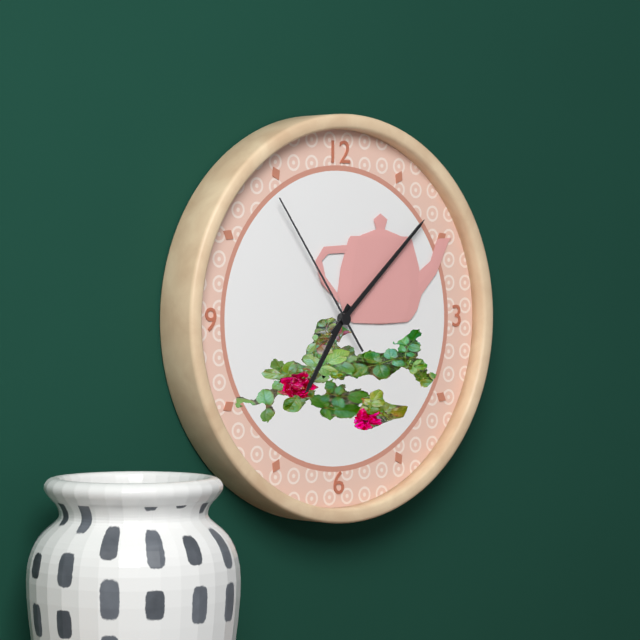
7:08:54
